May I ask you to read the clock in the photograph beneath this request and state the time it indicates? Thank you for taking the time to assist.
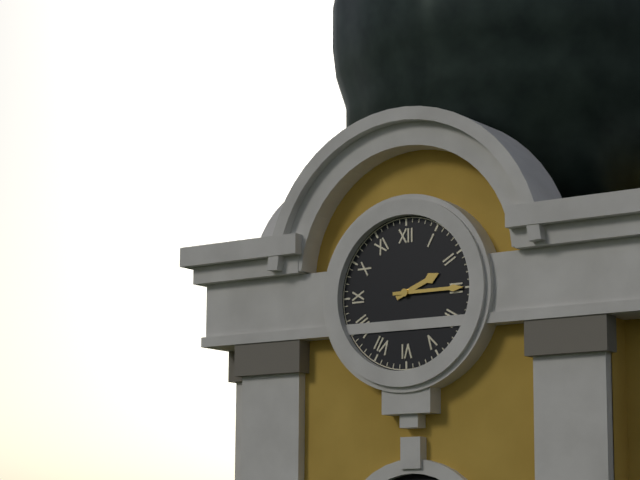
2:15
